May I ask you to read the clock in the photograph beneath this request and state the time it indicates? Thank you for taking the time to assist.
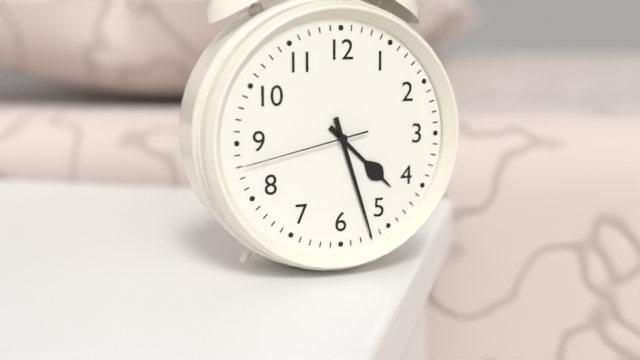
4:27:43
